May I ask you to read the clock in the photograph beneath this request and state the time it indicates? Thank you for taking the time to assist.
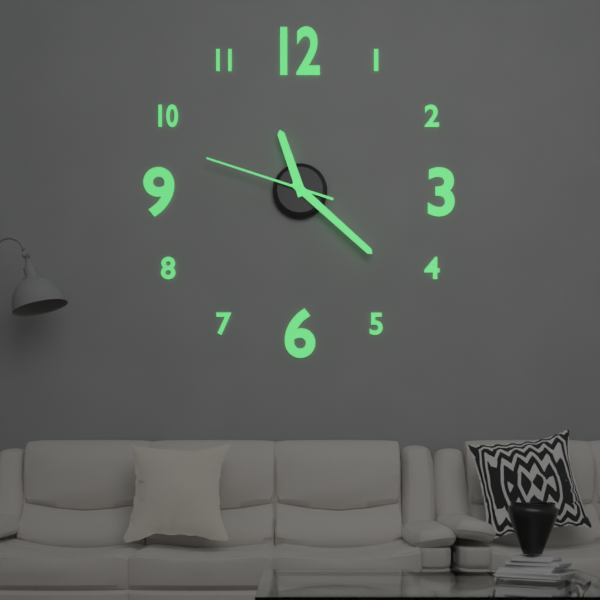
11:22:48
